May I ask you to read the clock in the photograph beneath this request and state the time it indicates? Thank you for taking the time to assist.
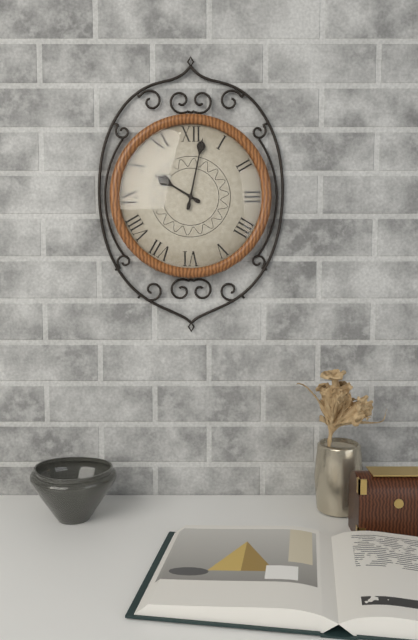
10:02
